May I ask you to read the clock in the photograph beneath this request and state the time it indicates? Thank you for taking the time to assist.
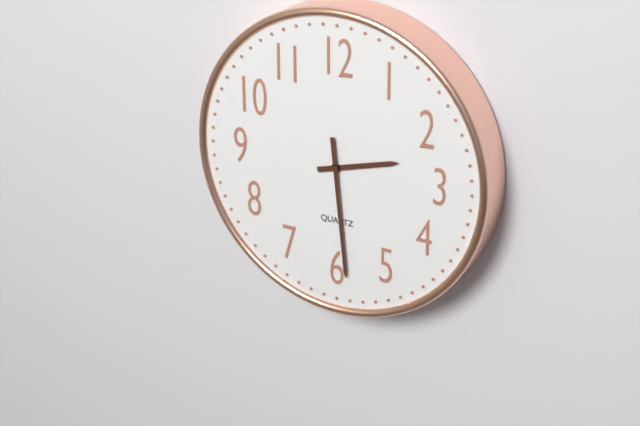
2:29
